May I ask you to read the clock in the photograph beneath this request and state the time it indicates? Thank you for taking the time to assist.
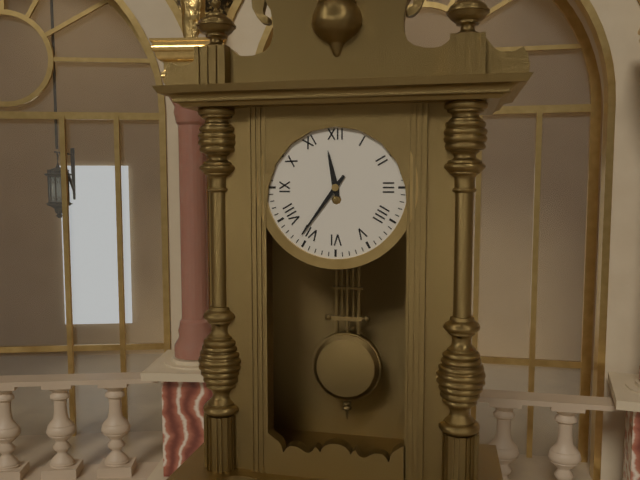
11:36
